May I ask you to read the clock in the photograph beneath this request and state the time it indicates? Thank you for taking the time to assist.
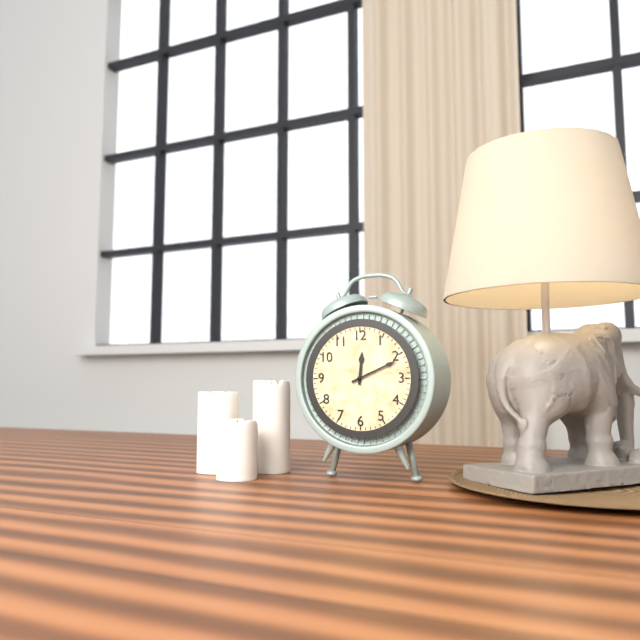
12:11
